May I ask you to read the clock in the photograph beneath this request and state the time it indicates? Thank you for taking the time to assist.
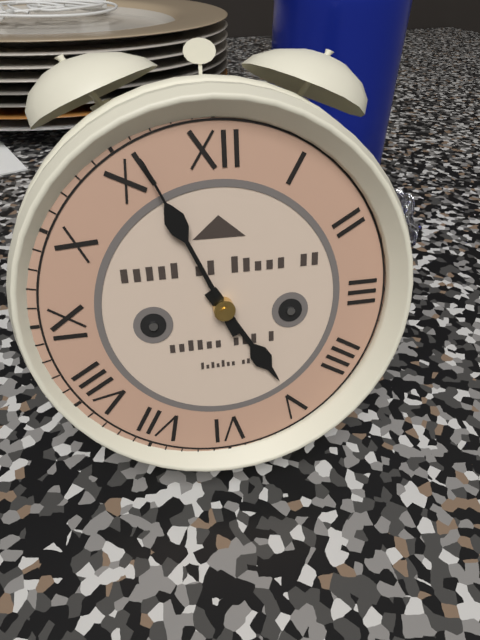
4:56
